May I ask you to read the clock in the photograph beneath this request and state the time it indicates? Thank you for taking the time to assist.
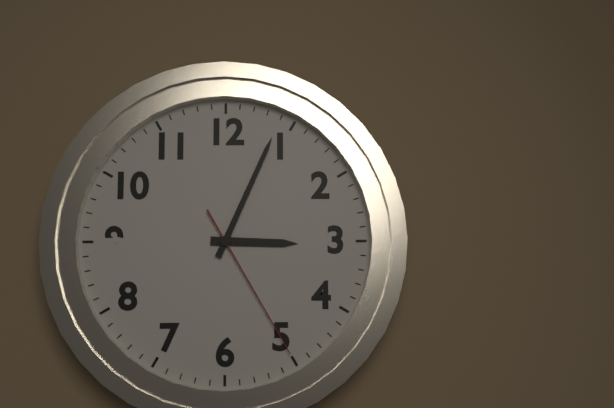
3:04:25
